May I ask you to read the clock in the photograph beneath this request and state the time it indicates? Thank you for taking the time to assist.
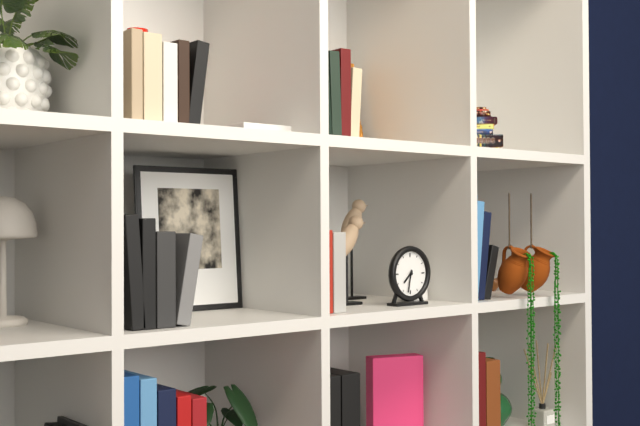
7:32
